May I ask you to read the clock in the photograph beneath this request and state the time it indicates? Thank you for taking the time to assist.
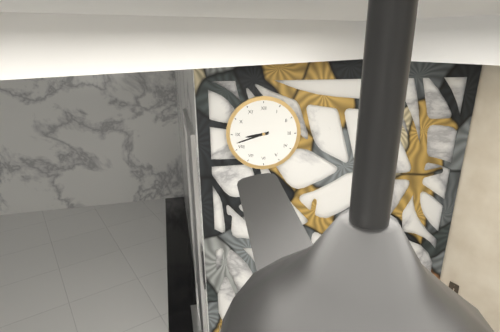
8:42
